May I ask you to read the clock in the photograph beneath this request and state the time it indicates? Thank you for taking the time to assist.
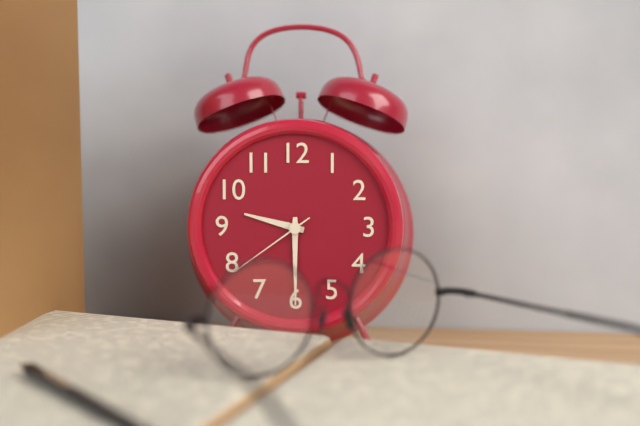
9:30:39
